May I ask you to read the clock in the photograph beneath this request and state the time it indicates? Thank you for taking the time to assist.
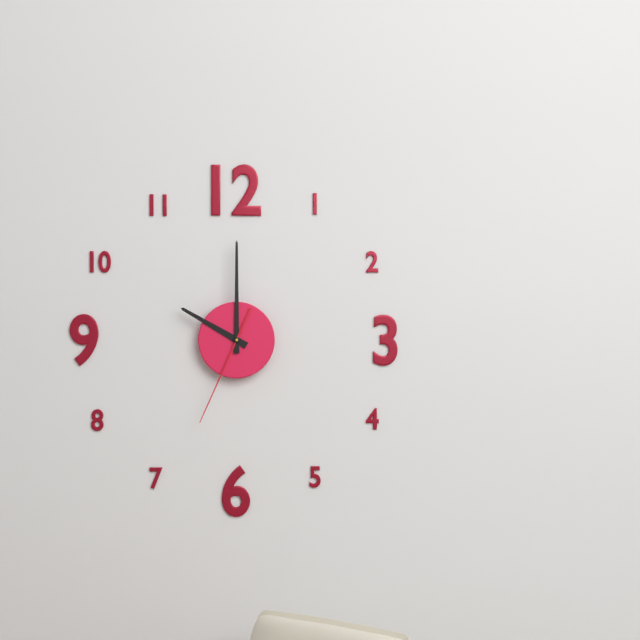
10:00:34
